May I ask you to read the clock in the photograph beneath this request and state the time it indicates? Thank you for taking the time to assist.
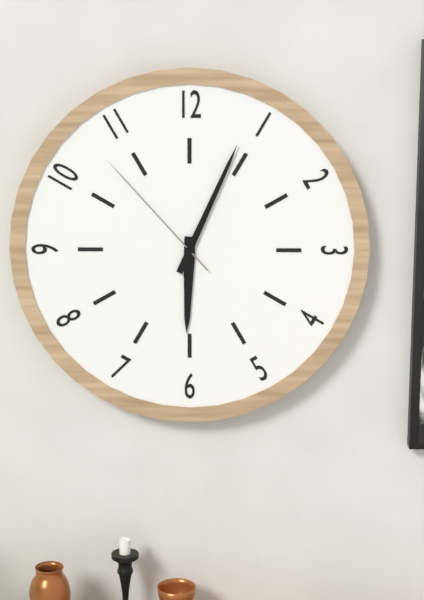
6:04:53
